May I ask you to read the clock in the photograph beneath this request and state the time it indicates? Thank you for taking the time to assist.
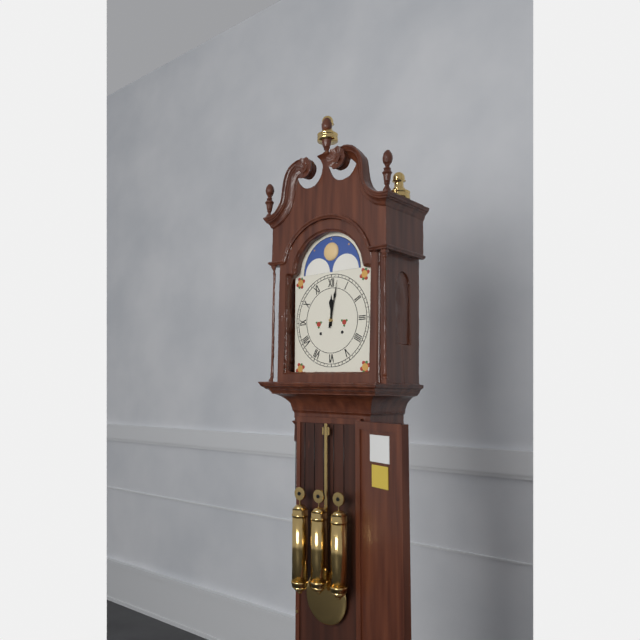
12:02
